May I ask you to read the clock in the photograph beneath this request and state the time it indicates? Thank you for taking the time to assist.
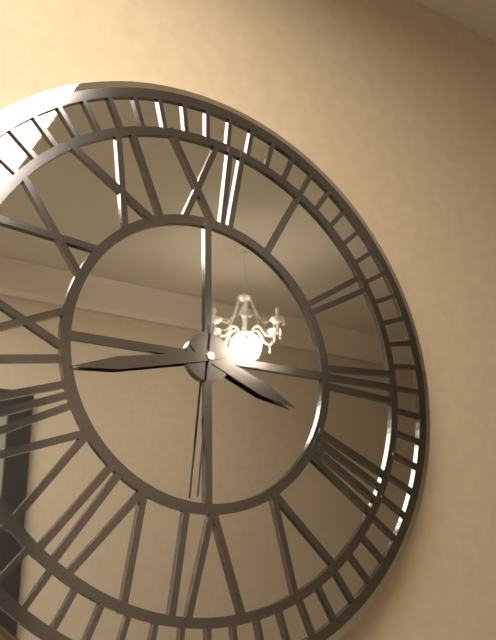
3:43:31
